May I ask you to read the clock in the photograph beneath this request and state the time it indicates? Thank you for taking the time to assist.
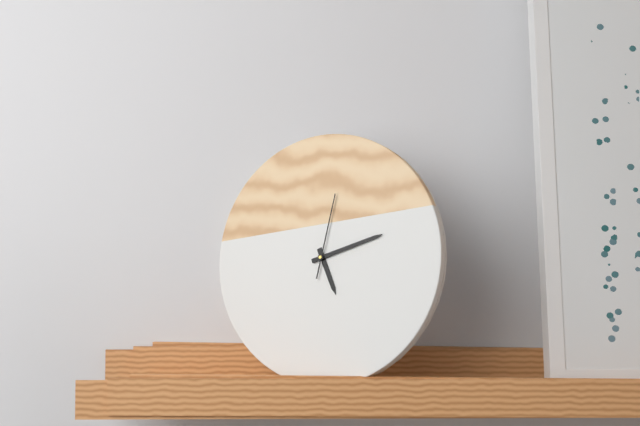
5:12:02
